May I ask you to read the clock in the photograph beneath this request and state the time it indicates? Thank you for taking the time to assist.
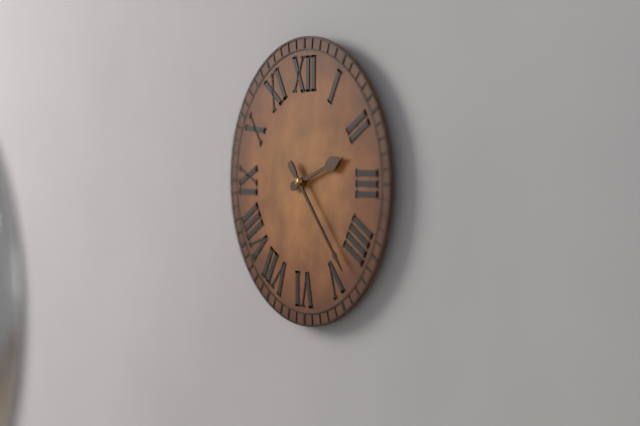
2:23
